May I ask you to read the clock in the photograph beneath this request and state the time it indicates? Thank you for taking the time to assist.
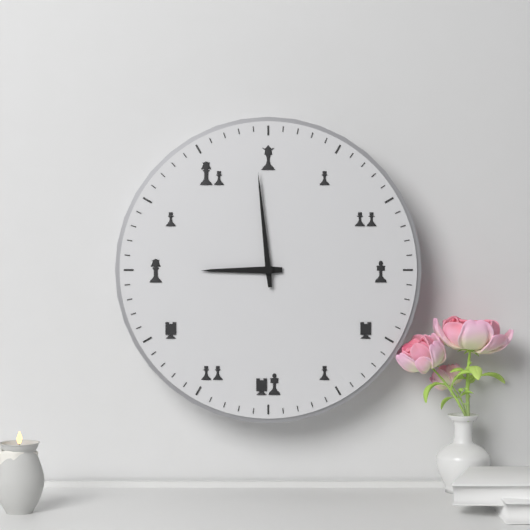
8:59
